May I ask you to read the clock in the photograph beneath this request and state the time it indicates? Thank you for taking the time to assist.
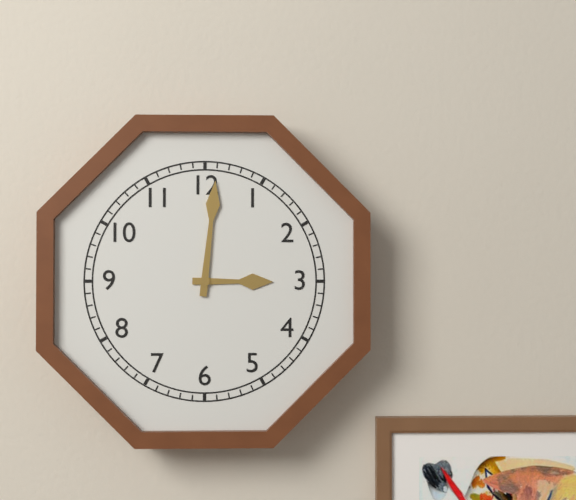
3:01
